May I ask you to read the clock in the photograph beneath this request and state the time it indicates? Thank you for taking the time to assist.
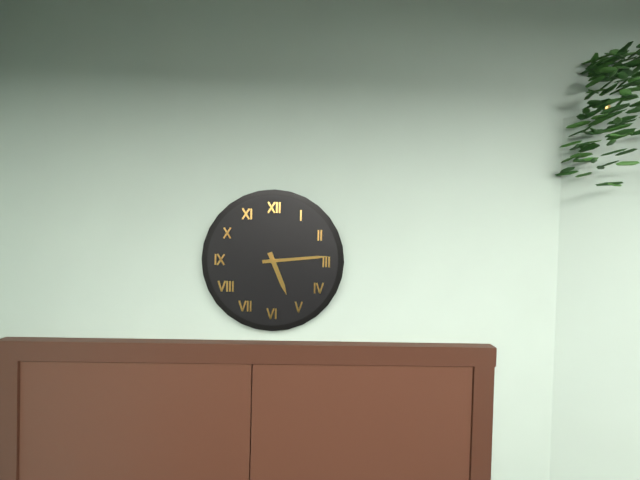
5:14
